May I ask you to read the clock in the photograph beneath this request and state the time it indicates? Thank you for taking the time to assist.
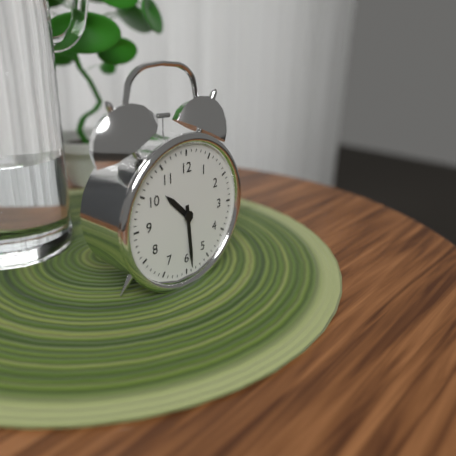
10:29
